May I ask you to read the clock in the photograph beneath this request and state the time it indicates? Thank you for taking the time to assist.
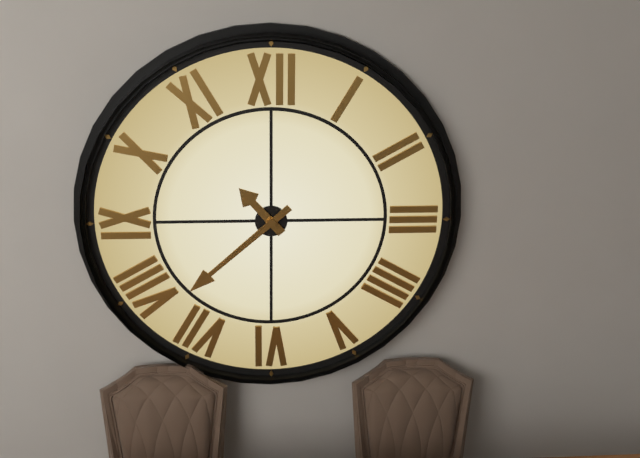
10:38
